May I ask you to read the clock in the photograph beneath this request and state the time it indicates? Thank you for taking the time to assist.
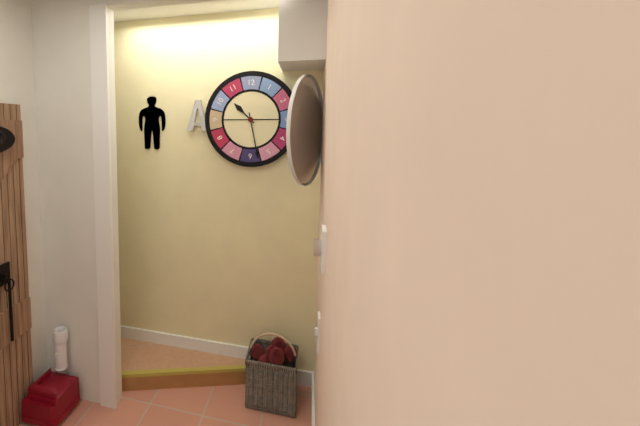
10:28
